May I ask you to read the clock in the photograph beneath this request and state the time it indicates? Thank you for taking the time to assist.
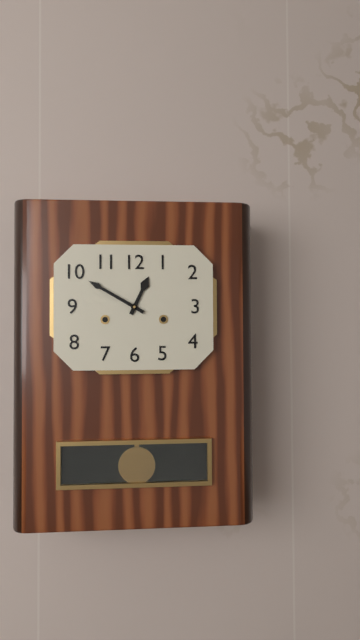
12:50
